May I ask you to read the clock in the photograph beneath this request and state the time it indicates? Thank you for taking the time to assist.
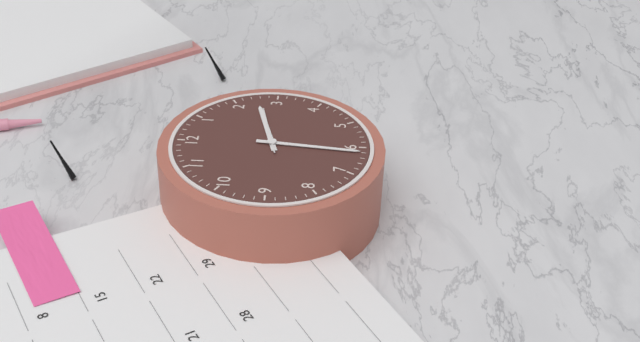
2:31:13
